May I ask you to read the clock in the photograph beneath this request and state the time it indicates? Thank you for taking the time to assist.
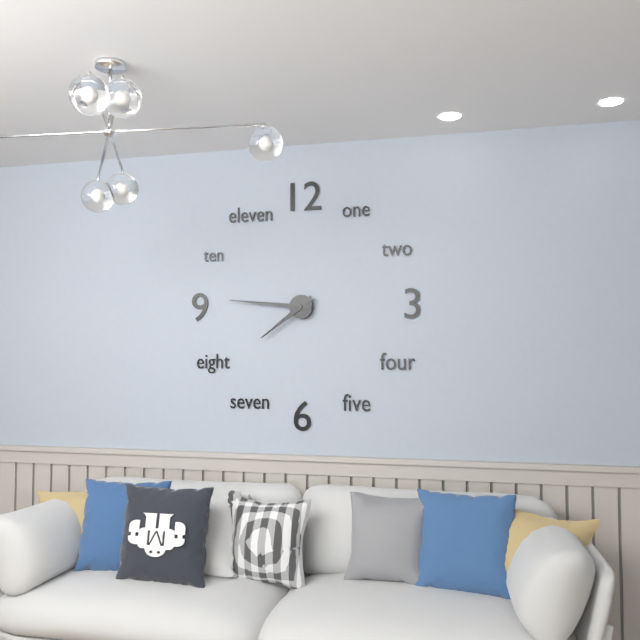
7:46
